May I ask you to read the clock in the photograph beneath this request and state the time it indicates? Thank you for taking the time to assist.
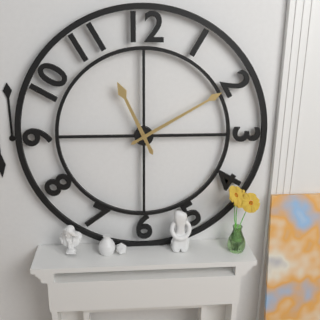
11:10
